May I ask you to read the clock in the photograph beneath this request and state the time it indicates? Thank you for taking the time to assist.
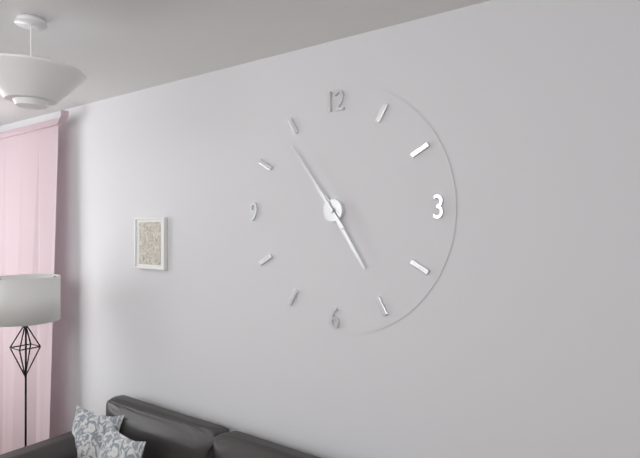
4:54
